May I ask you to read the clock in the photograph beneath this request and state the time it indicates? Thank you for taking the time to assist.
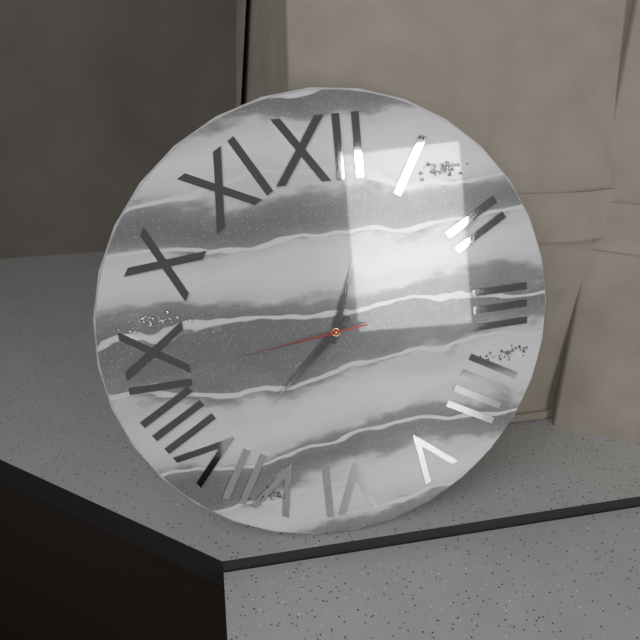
12:38:44
